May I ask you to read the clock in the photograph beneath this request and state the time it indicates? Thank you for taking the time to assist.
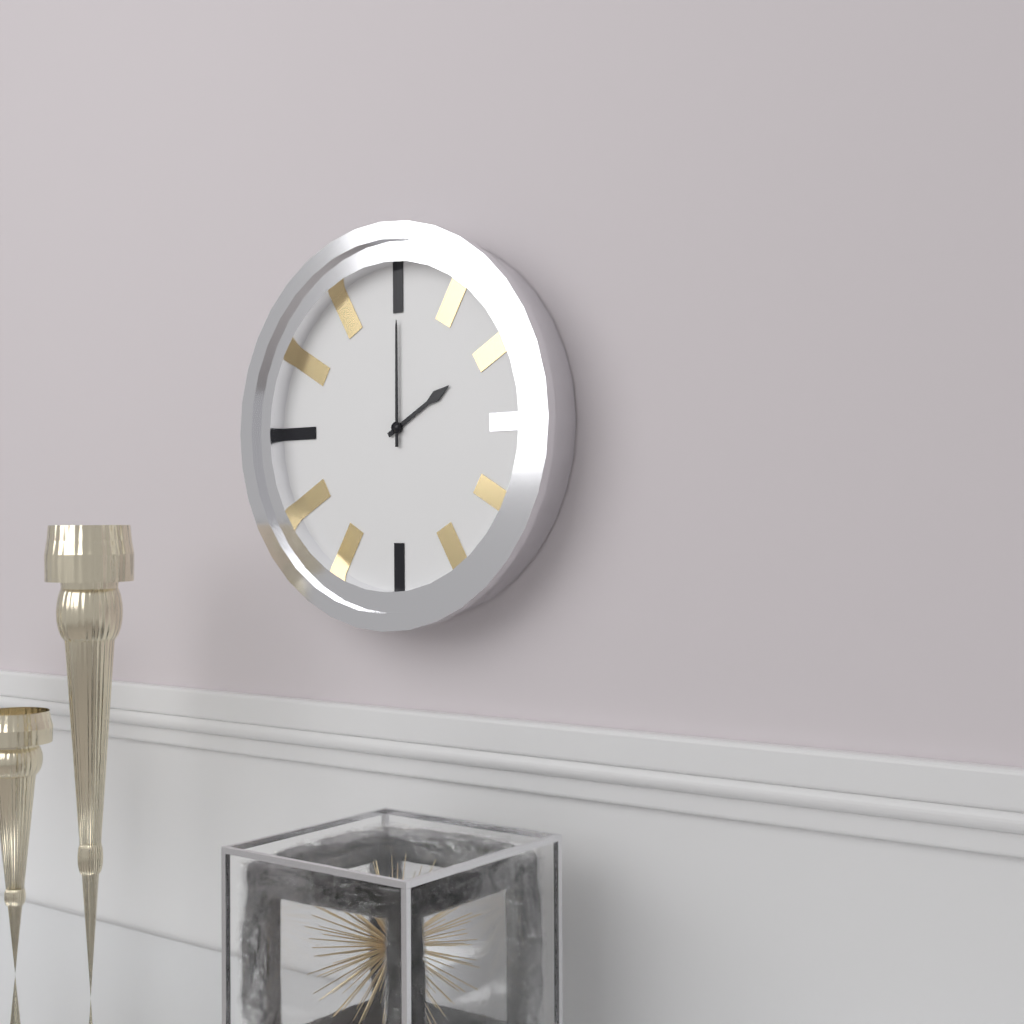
2:00
